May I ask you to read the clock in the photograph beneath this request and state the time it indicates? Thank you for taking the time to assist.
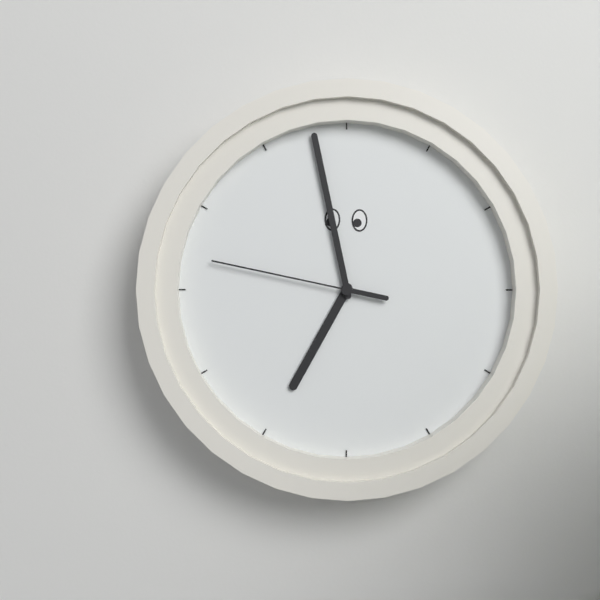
6:58:47
